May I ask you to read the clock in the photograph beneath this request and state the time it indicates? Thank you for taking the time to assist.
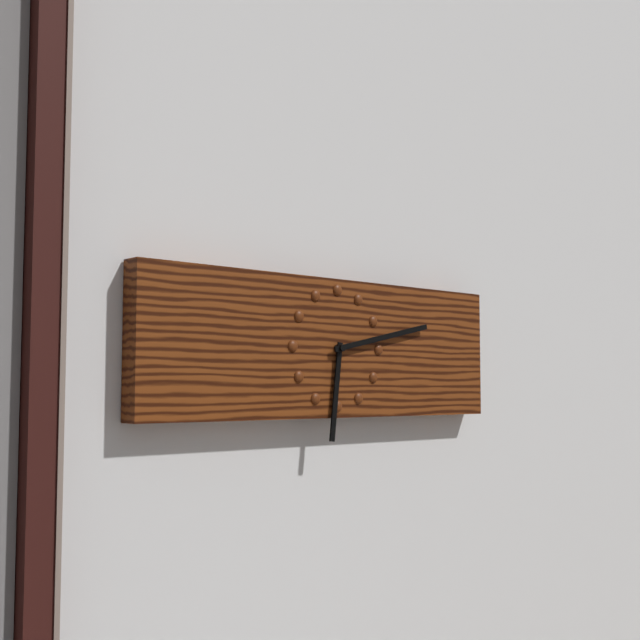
6:13
